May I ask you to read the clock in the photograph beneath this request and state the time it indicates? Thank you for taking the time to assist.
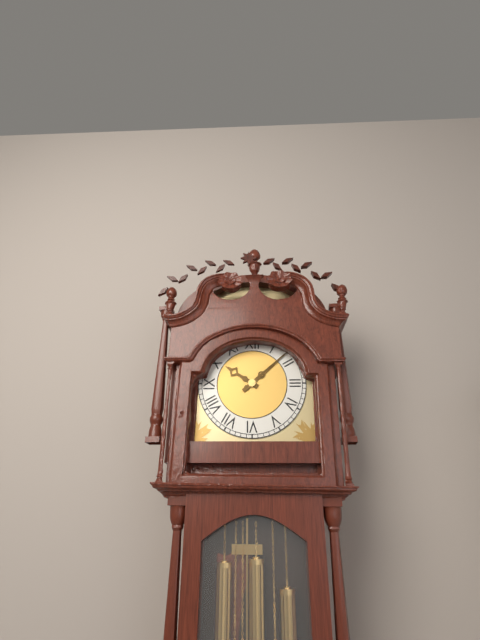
10:08
